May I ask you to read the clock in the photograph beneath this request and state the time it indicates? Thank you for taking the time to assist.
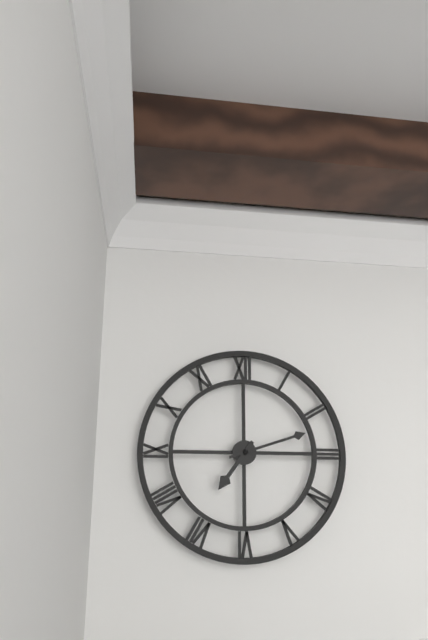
7:12
